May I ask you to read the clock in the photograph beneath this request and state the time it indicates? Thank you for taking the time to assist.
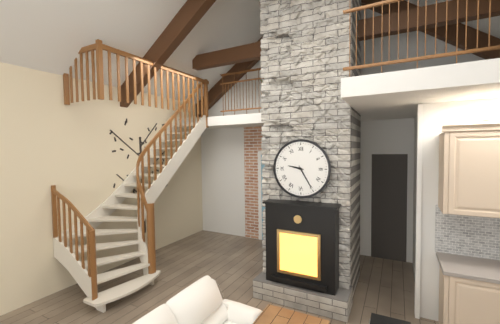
9:25
